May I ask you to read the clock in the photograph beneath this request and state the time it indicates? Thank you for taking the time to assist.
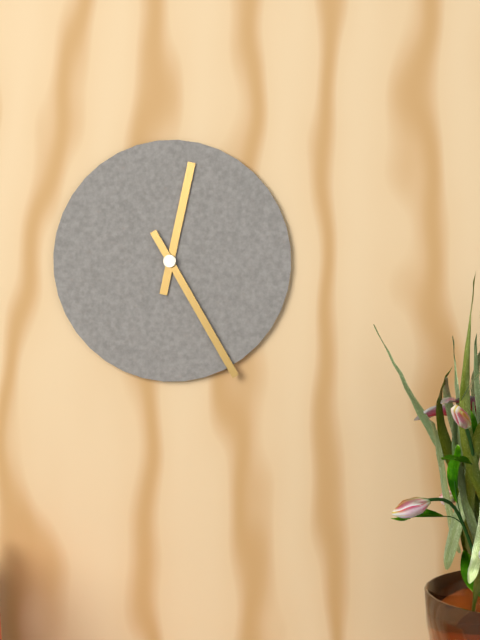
12:25
